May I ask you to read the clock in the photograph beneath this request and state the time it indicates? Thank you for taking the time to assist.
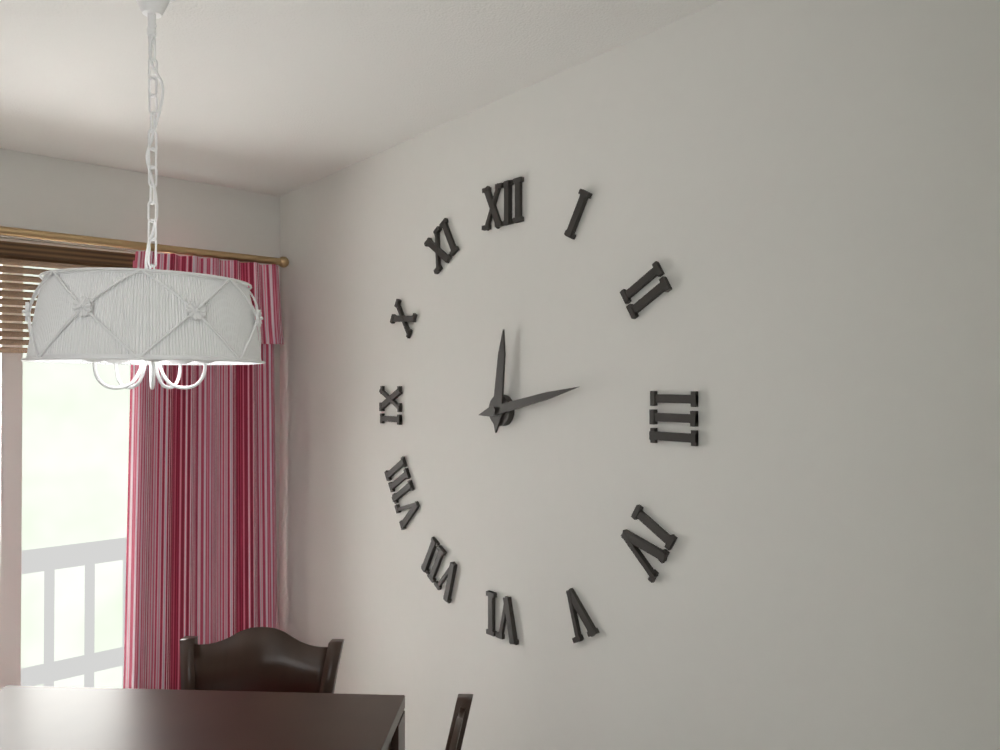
12:13
